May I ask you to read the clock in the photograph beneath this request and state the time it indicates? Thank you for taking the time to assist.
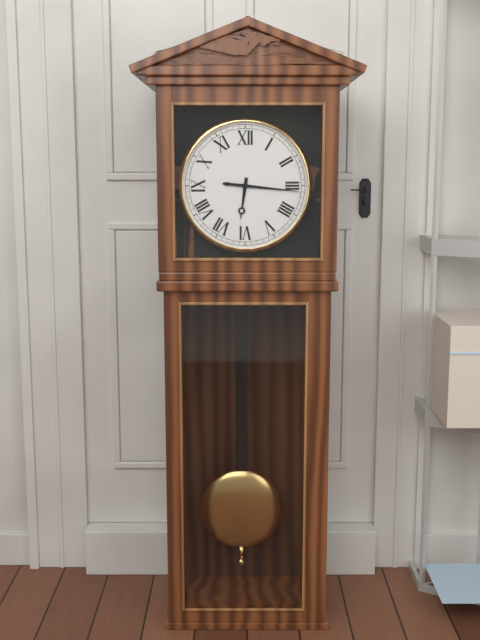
6:16
